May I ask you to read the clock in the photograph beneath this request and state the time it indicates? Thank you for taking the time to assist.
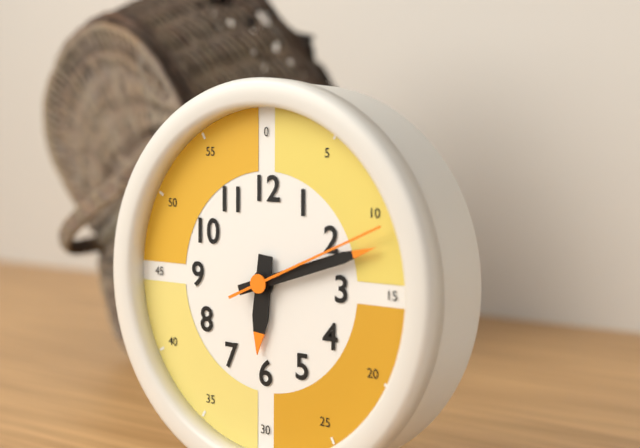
6:12:11
